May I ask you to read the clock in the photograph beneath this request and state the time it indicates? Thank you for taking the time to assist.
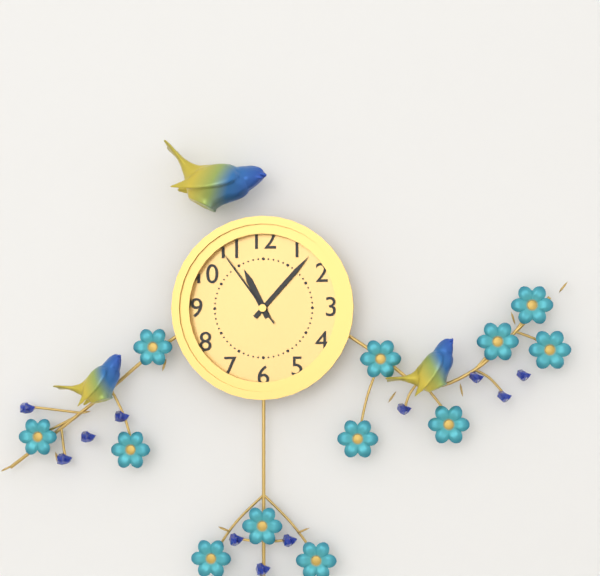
11:07:54
